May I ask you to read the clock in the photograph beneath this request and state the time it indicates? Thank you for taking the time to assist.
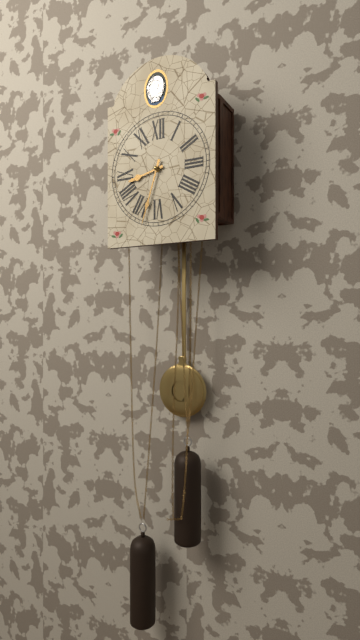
8:33
